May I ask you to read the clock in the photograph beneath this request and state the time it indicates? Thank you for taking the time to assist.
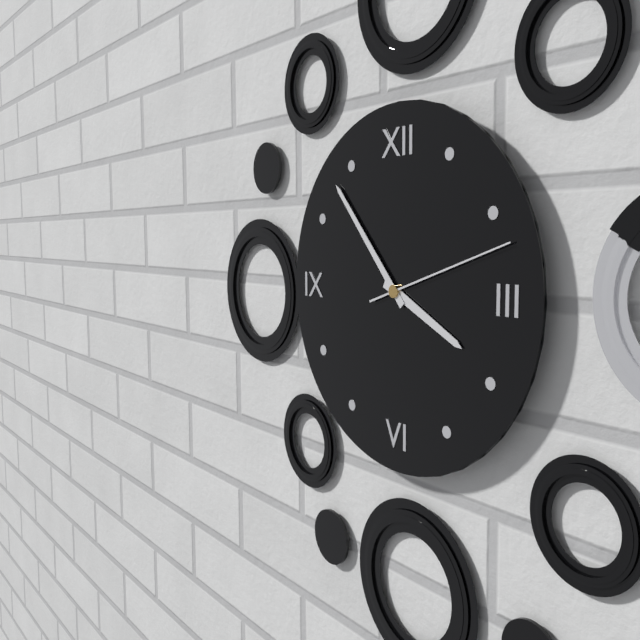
3:53:12
